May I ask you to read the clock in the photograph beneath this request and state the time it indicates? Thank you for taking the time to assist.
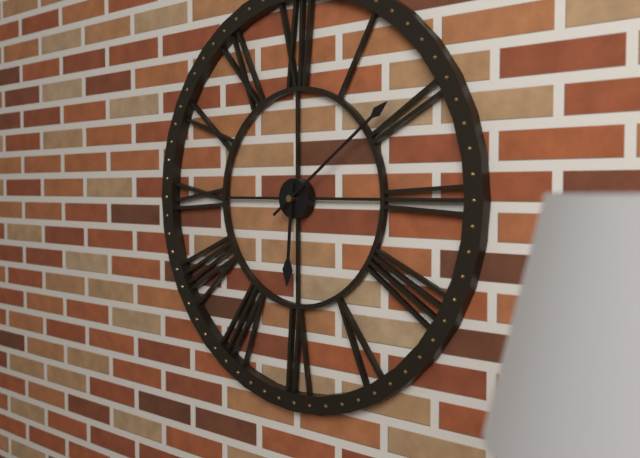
6:09
